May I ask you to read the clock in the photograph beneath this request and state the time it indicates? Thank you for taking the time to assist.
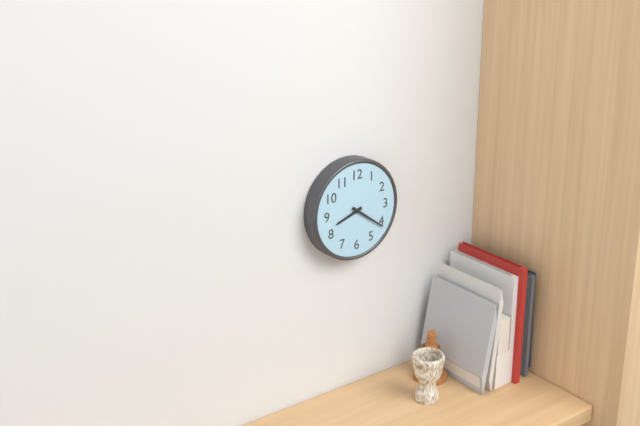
8:21
